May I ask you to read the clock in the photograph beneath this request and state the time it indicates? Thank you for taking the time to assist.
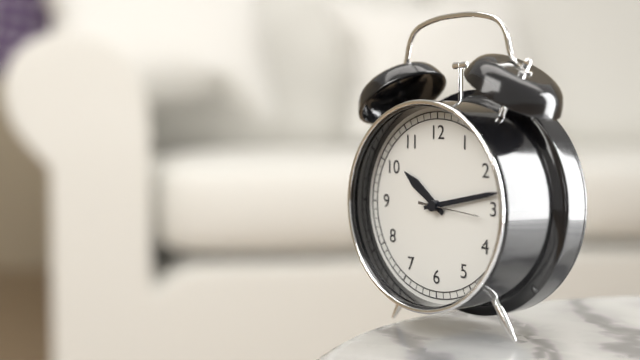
10:13:16
